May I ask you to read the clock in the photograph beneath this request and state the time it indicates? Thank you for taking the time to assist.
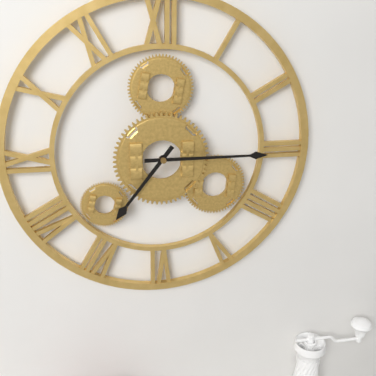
7:15
